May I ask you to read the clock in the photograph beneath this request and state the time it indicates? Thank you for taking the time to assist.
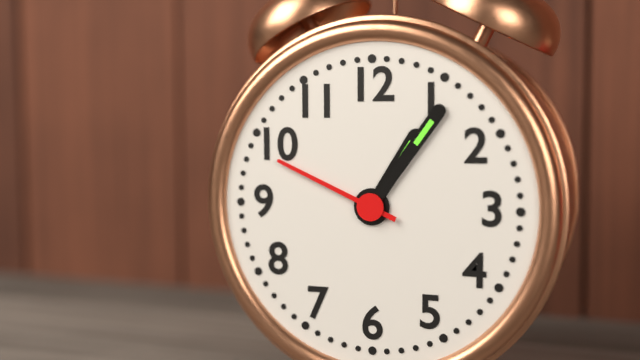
1:06:49
